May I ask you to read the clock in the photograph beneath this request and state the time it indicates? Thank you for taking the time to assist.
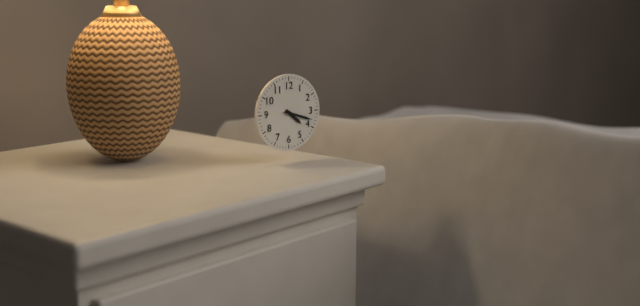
4:18
